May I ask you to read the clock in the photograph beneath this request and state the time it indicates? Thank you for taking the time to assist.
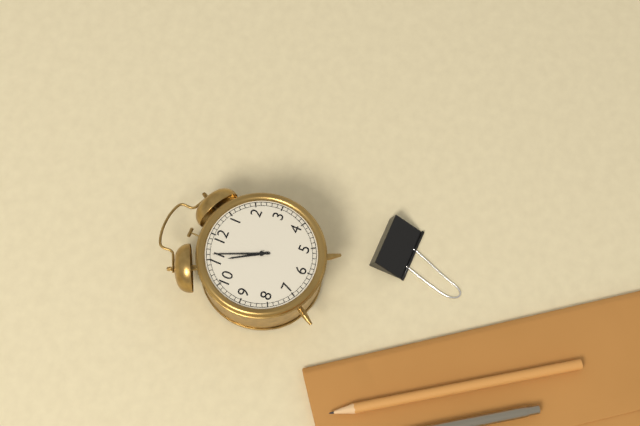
10:56
